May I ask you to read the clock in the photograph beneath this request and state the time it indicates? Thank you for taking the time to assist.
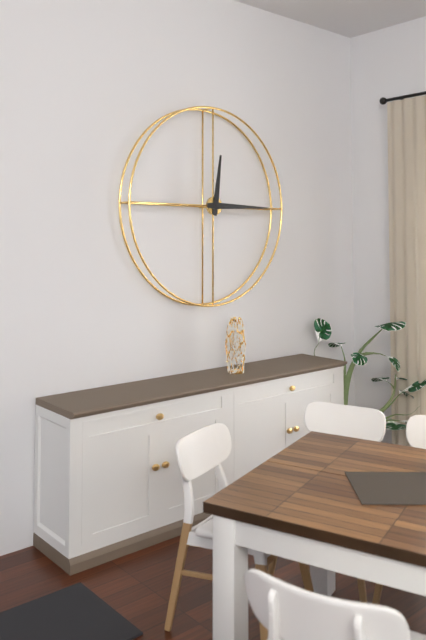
12:15
